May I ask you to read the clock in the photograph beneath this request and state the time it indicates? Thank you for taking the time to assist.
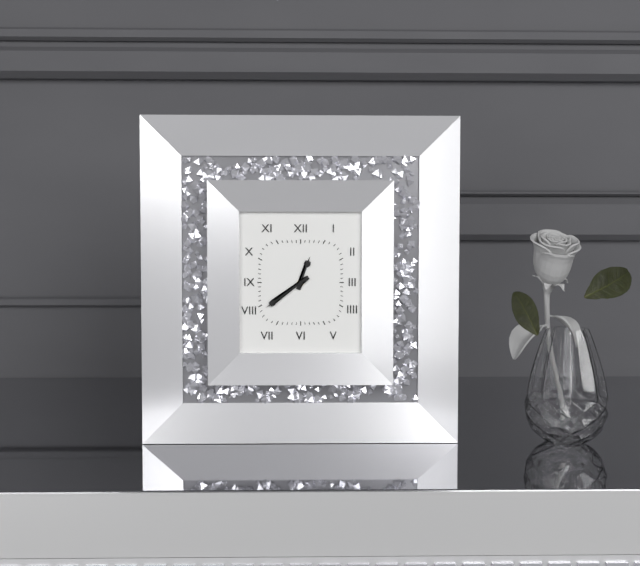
12:39
